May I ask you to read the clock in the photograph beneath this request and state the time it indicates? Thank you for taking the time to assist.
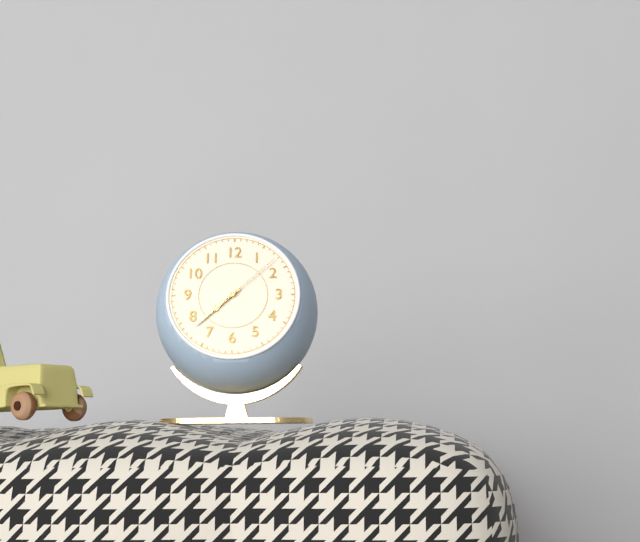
7:38:08
